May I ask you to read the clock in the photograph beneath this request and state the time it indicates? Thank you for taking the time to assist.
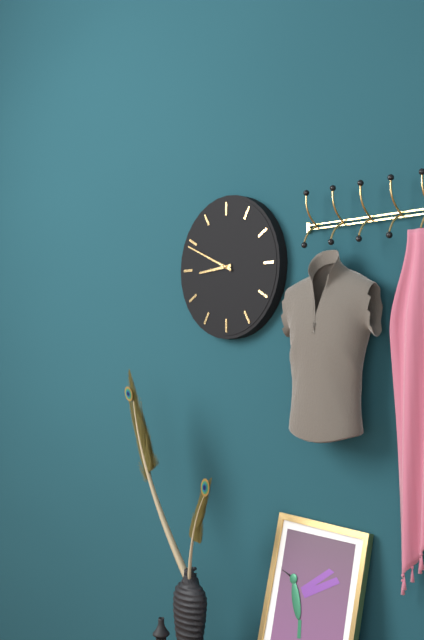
8:49
